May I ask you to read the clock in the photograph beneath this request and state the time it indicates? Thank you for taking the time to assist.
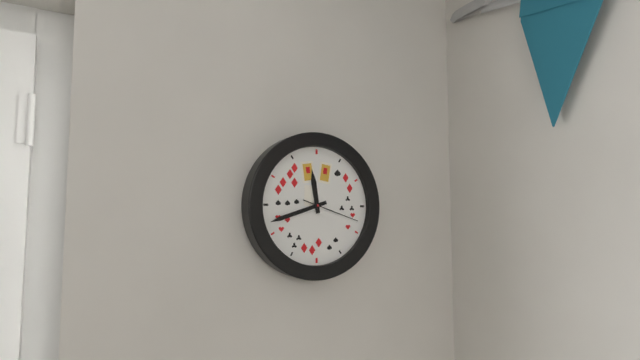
11:42:18
